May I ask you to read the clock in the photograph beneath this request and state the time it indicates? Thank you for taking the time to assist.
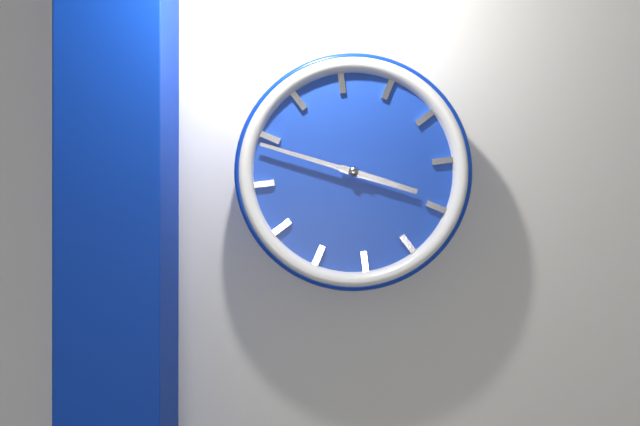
3:49
